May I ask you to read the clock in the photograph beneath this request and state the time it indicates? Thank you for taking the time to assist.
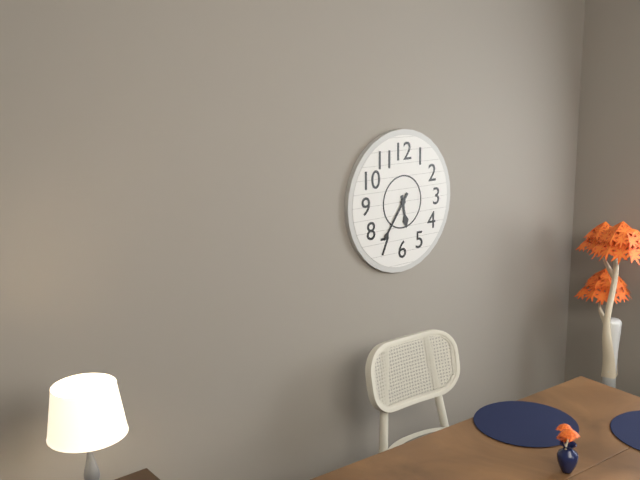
5:36
